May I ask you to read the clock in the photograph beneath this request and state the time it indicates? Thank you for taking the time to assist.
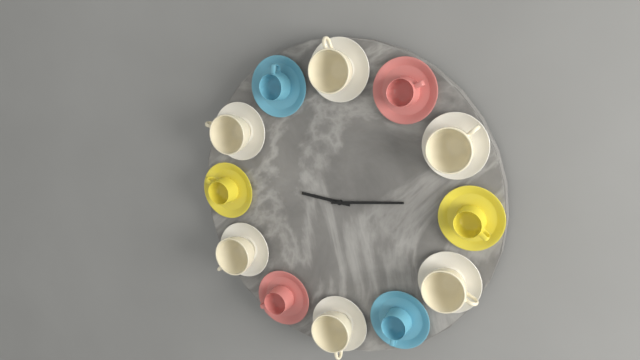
9:14
